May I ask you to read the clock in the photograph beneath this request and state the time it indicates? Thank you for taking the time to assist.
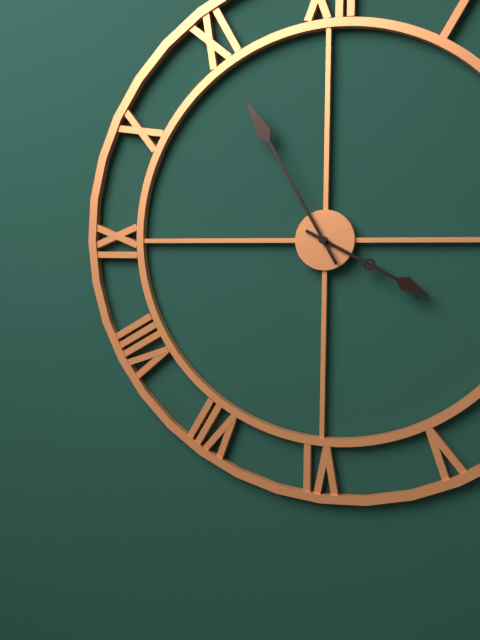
3:55
